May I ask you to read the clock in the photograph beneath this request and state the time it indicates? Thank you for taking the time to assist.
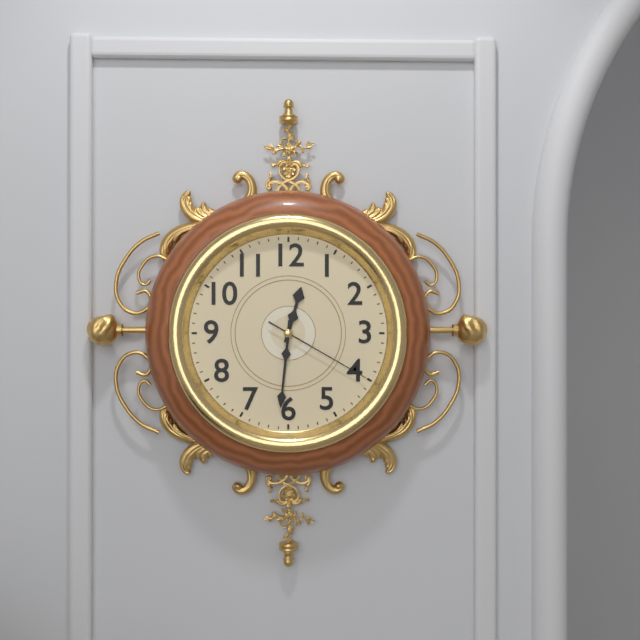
12:31:20
